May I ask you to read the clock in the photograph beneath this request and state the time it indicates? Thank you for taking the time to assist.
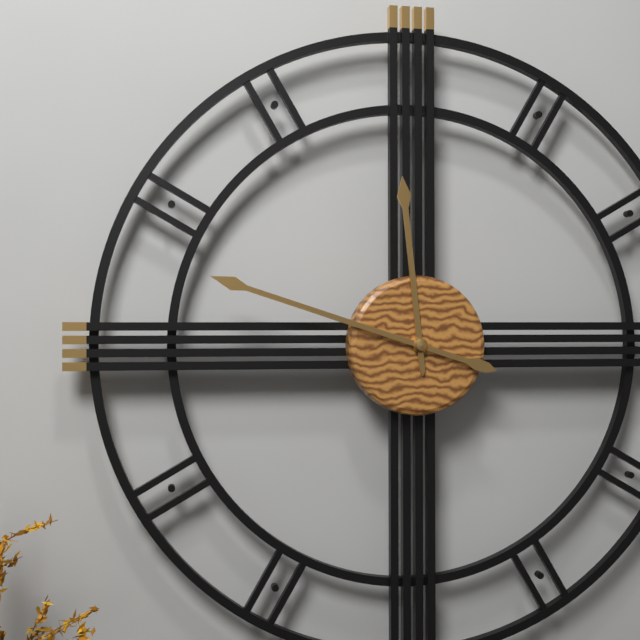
11:48
